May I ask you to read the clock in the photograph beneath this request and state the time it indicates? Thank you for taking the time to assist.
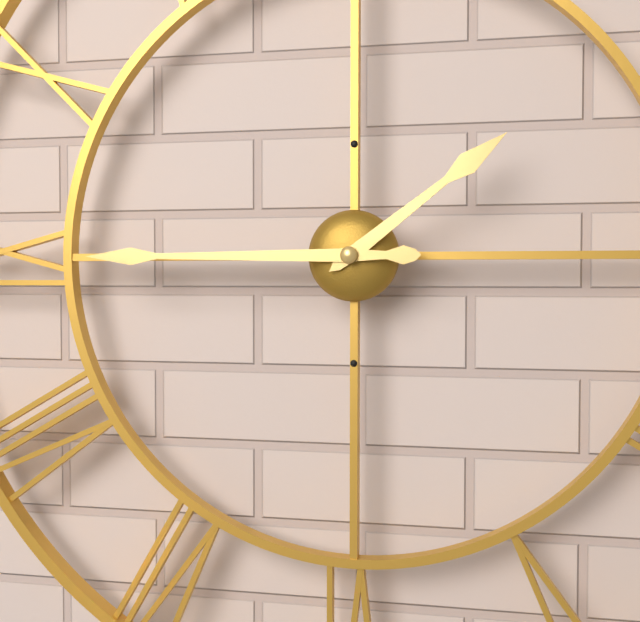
1:45
